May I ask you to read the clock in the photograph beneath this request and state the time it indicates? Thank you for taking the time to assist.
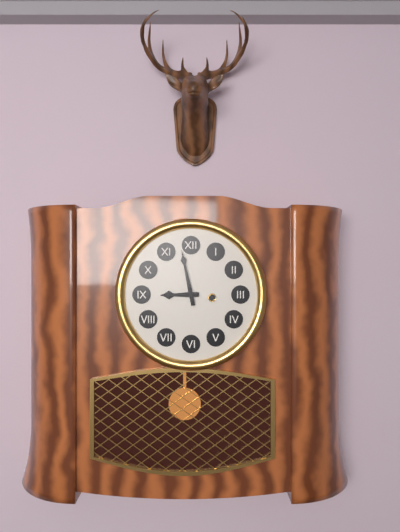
8:58
